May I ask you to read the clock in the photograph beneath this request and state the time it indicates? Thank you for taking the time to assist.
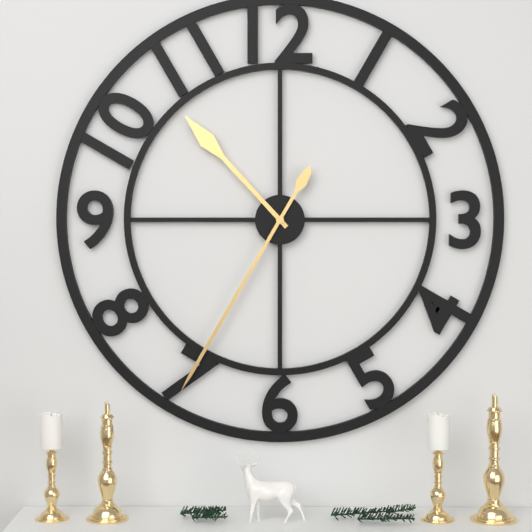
10:35
